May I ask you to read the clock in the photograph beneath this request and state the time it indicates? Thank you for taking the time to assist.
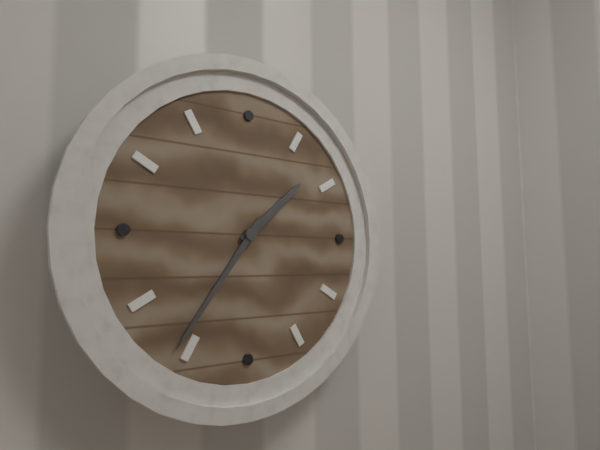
1:36
